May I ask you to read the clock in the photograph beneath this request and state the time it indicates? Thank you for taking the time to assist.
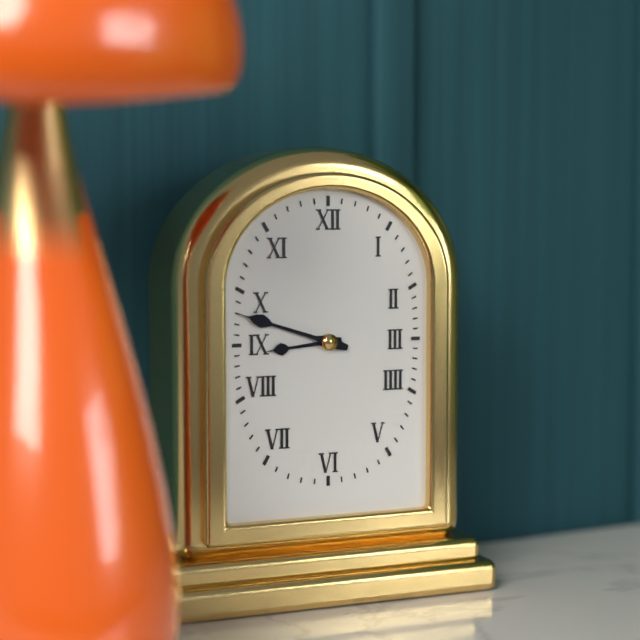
8:48
